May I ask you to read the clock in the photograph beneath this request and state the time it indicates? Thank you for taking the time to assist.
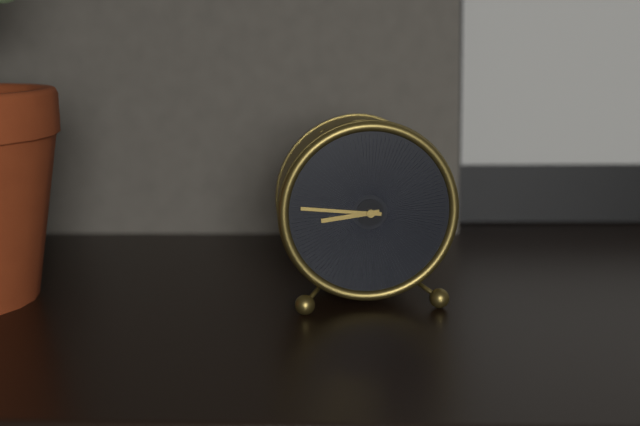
8:46
